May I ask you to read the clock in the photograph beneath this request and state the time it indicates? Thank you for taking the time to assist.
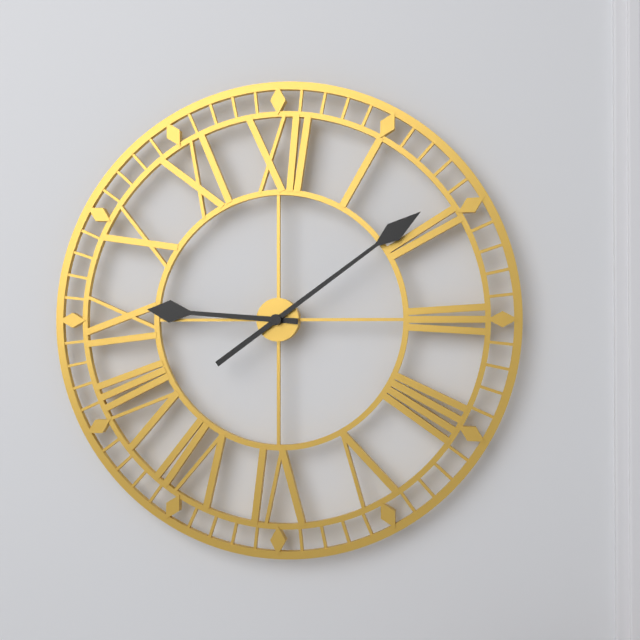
9:09
